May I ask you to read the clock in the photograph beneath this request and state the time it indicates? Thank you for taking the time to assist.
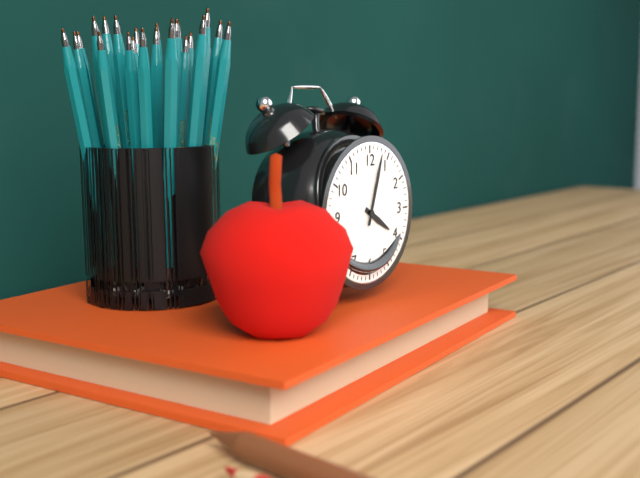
4:03
